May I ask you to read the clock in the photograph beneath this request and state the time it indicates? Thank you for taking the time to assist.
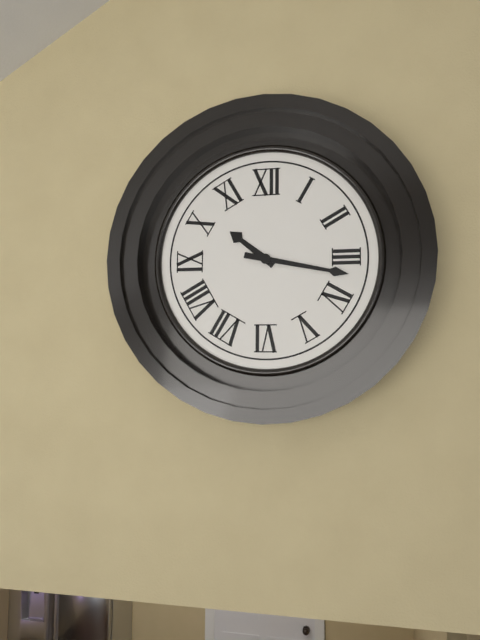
10:17
